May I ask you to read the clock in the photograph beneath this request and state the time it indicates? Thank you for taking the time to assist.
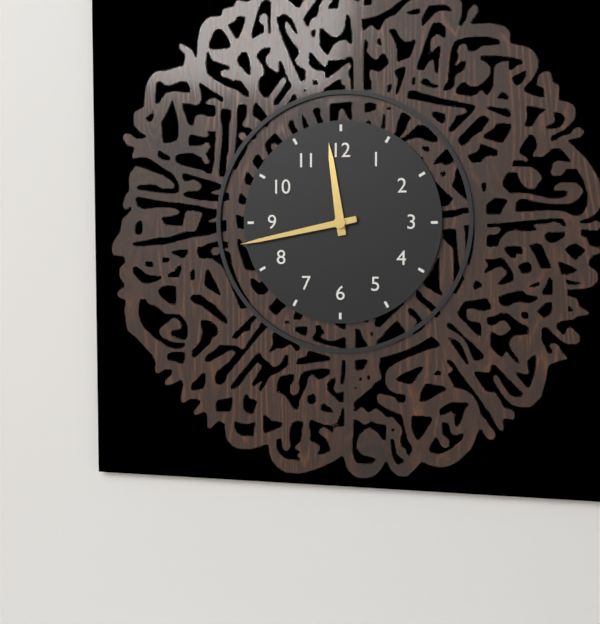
11:43
